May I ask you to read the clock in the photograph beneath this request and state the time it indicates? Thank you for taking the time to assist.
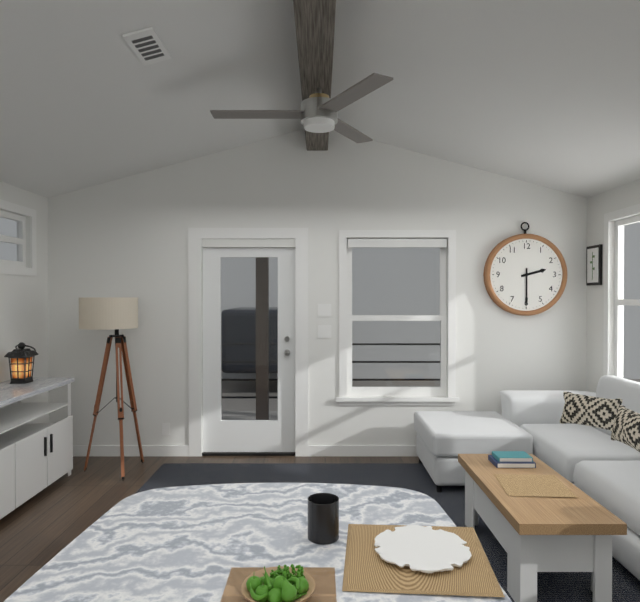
2:30
